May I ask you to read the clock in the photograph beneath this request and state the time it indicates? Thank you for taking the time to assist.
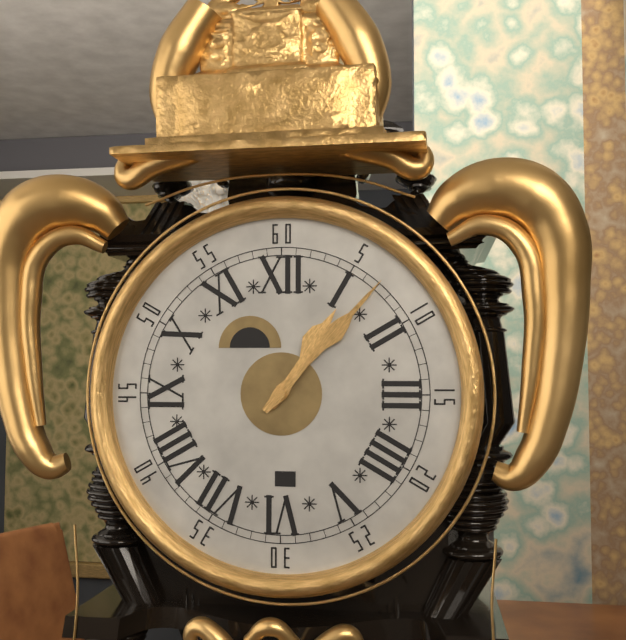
1:07
